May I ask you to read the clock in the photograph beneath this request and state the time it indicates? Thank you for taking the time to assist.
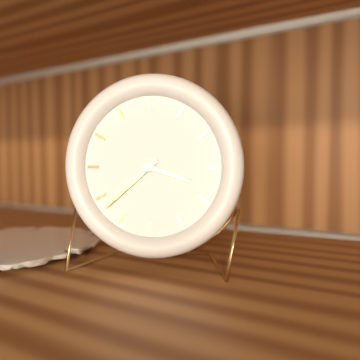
3:38
